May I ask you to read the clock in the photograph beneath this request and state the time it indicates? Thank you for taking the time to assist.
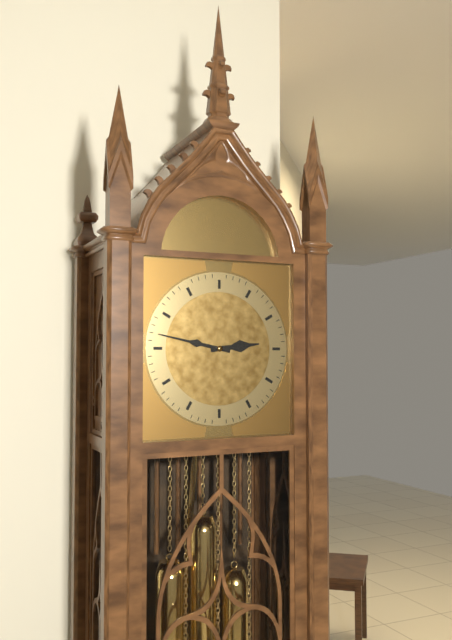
2:47
